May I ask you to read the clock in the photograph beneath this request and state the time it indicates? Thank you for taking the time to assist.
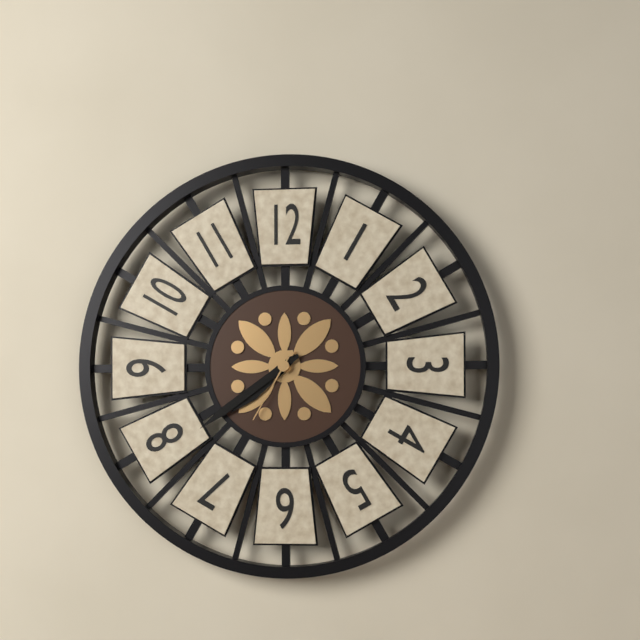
7:39:35
